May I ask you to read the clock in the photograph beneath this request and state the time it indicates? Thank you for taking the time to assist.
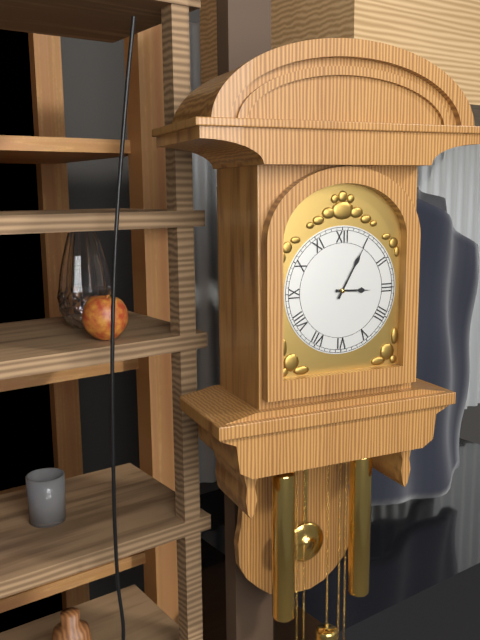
3:05
